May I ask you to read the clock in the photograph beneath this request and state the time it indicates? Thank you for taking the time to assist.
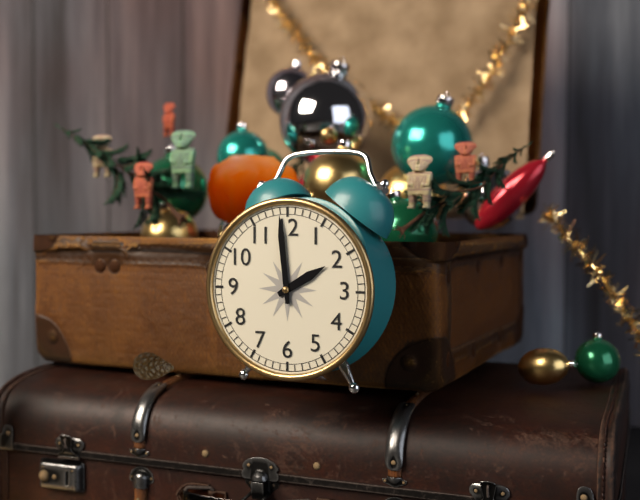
1:59
